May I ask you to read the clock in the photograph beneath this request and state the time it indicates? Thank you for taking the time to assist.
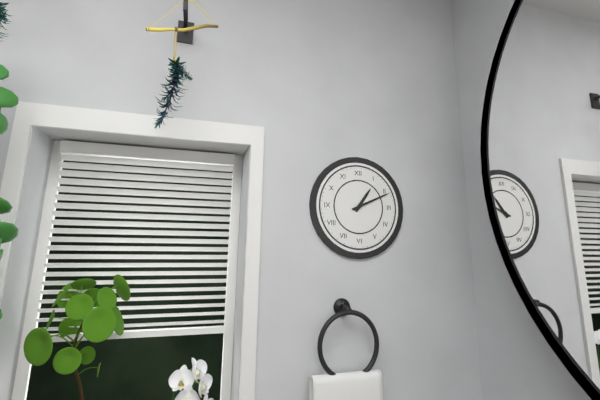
1:11
